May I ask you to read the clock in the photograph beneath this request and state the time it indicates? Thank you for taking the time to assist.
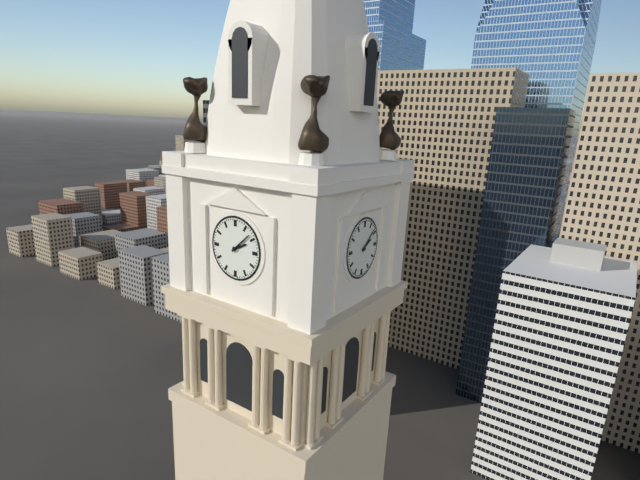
2:08
